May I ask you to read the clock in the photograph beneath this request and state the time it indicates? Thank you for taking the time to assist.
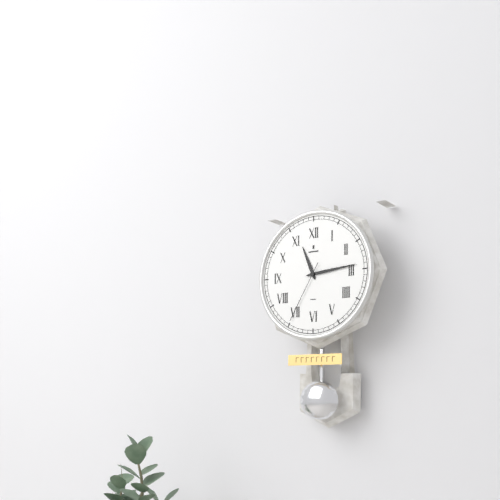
11:14:35
